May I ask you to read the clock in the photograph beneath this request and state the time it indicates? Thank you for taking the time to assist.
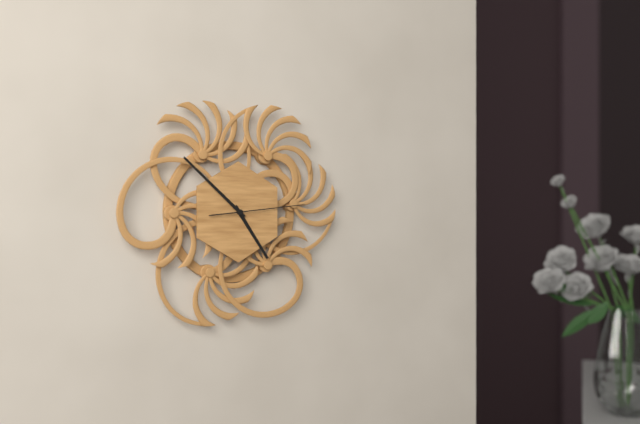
4:52:14
